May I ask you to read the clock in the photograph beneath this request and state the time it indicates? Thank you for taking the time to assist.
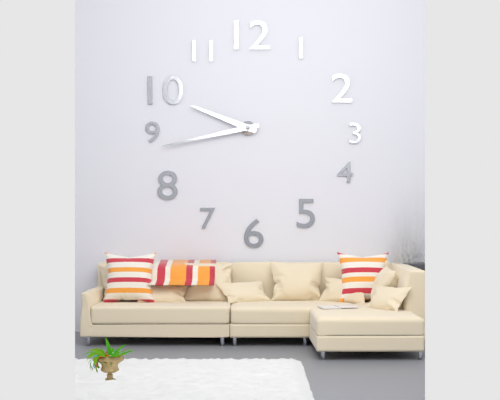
9:43
